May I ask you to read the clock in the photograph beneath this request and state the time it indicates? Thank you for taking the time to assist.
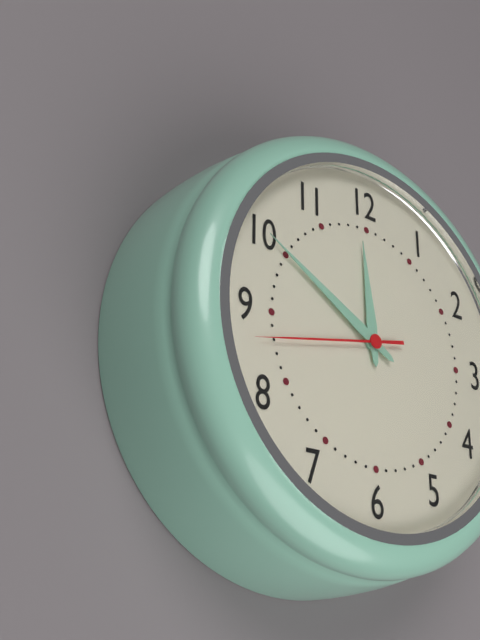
11:50:43
